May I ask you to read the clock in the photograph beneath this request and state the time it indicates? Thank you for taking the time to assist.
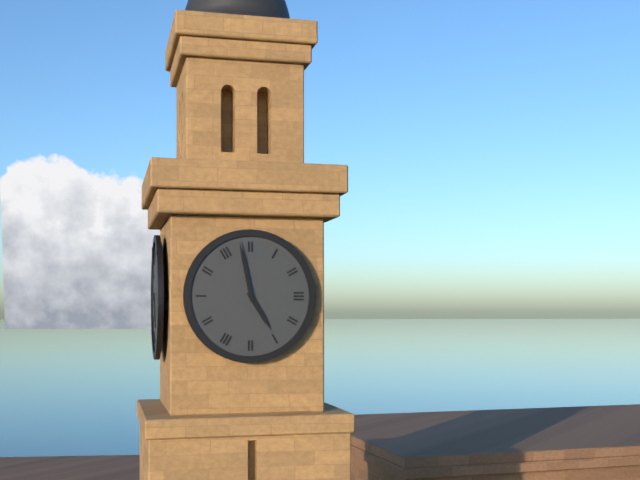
4:58
